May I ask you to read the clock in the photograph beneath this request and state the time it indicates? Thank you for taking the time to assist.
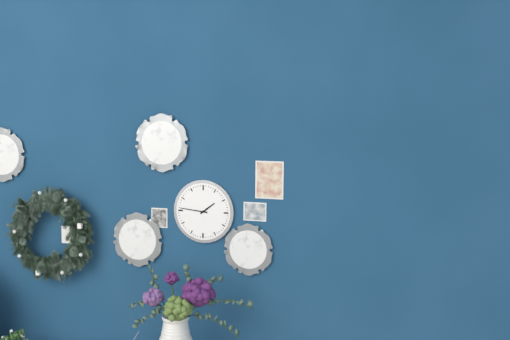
1:46
